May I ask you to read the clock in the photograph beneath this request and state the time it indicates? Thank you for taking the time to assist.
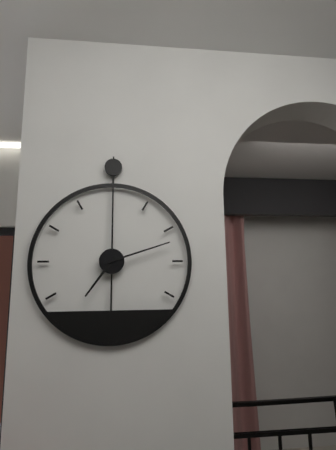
7:12
